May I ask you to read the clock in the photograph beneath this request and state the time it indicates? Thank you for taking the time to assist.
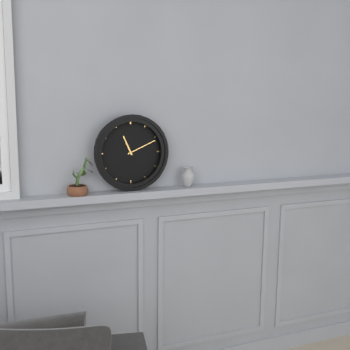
11:11
